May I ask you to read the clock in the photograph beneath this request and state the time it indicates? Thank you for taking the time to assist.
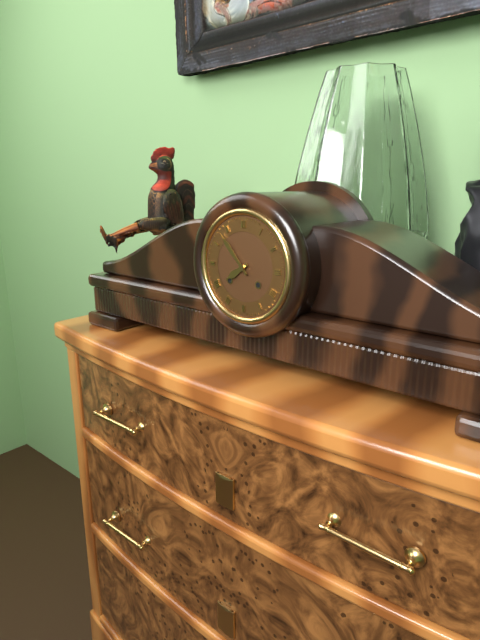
7:53
